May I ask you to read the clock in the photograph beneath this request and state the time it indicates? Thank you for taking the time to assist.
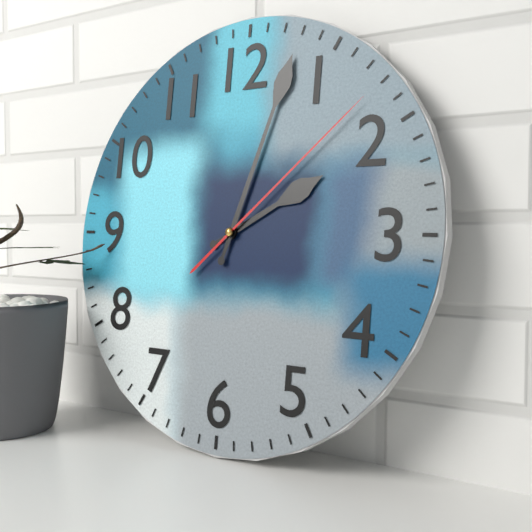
2:03:08
